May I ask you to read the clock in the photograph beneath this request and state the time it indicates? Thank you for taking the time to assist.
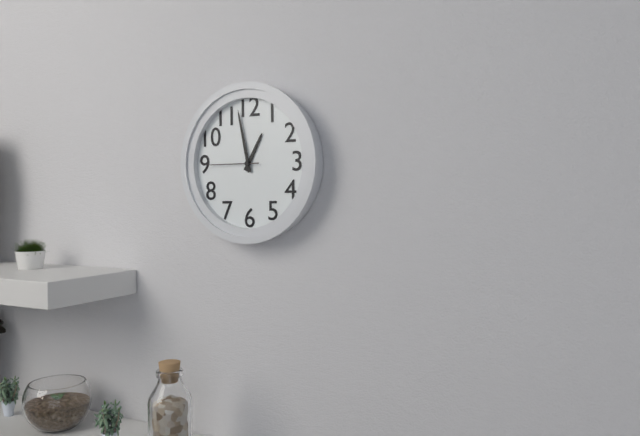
12:58:45
